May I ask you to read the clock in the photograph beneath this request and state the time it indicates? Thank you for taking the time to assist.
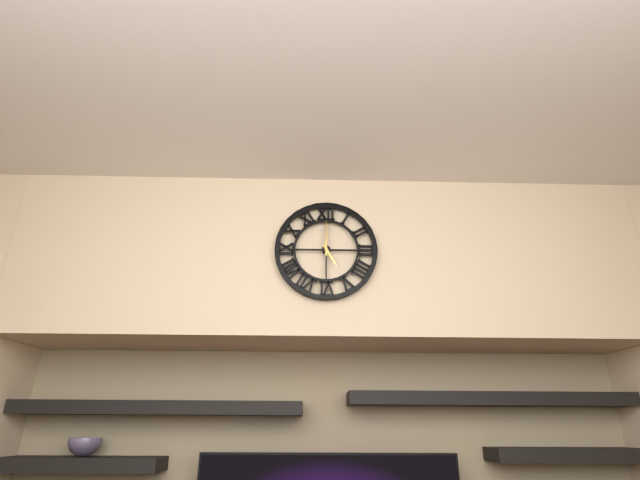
5:00
